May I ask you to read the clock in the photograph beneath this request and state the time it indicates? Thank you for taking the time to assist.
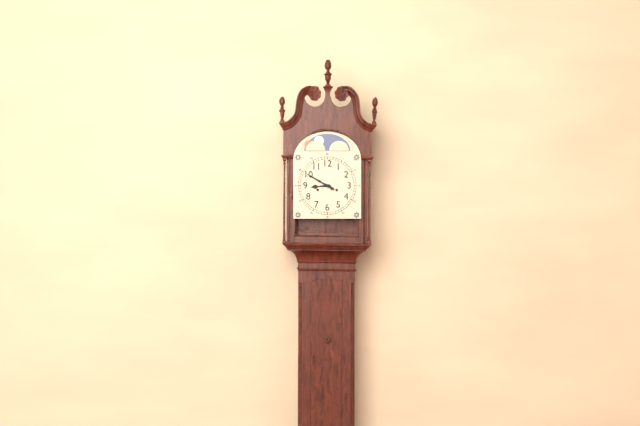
8:50
